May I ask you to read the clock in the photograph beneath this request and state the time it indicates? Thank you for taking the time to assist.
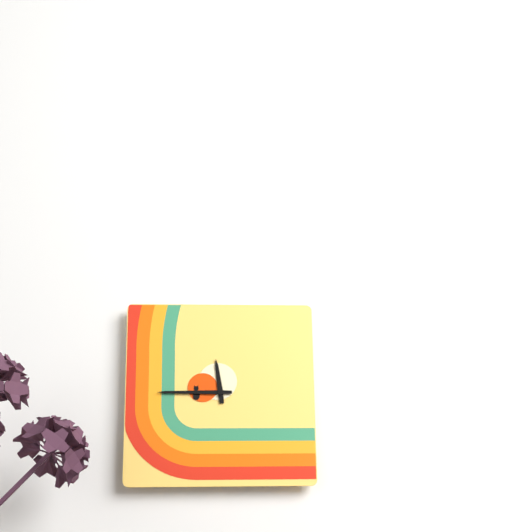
11:45
